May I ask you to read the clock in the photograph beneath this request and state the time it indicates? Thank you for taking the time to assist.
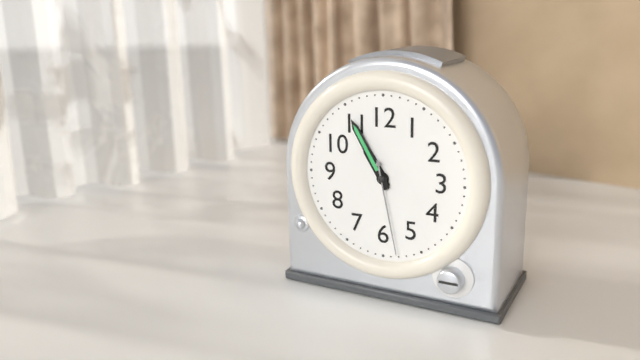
10:55:28
